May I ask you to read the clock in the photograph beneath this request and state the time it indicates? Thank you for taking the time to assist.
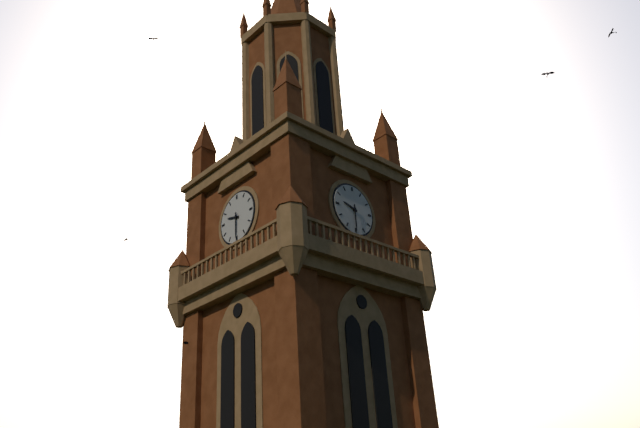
9:30
